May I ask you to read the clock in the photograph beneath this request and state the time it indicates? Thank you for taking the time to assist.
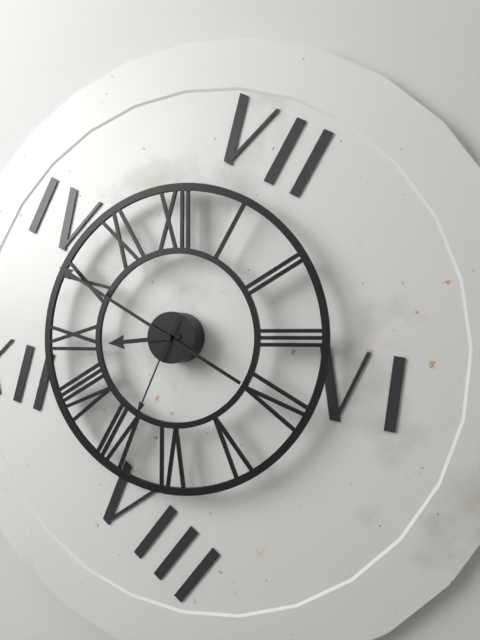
8:50:34
